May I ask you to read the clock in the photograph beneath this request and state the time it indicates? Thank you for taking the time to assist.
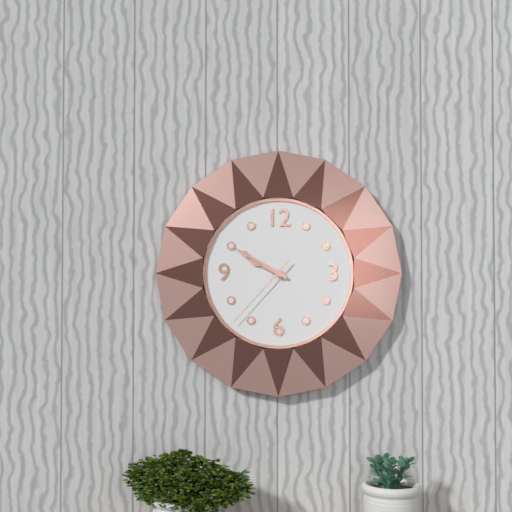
9:50:37
